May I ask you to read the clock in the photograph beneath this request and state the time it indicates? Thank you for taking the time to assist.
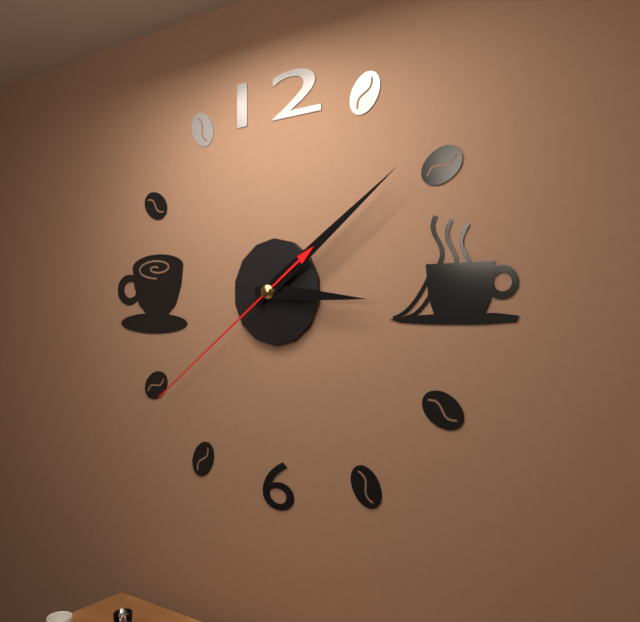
3:09:39
